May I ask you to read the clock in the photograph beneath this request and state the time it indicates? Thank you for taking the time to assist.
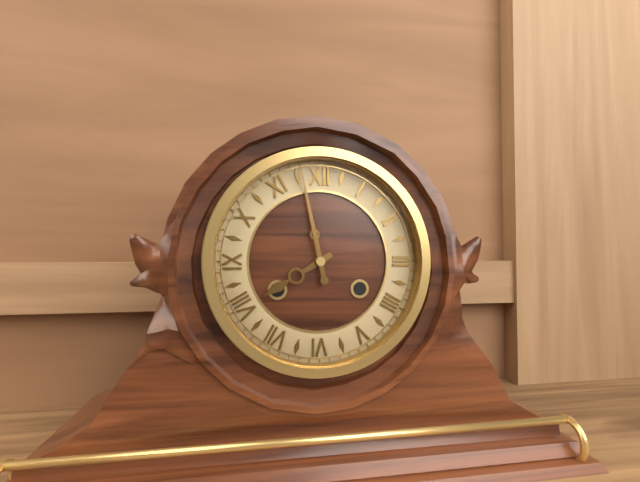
7:58
